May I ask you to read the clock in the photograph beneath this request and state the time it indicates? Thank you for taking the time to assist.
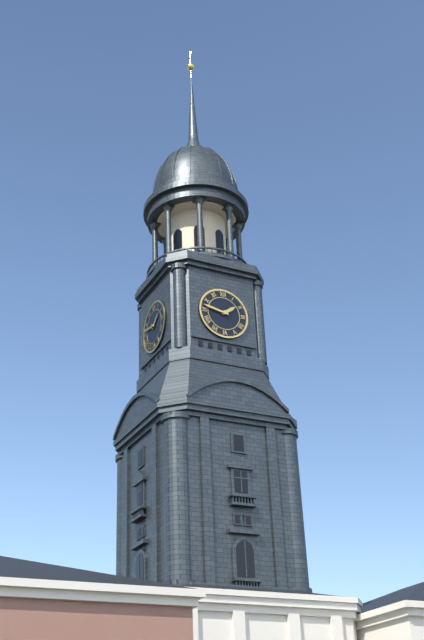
1:47
